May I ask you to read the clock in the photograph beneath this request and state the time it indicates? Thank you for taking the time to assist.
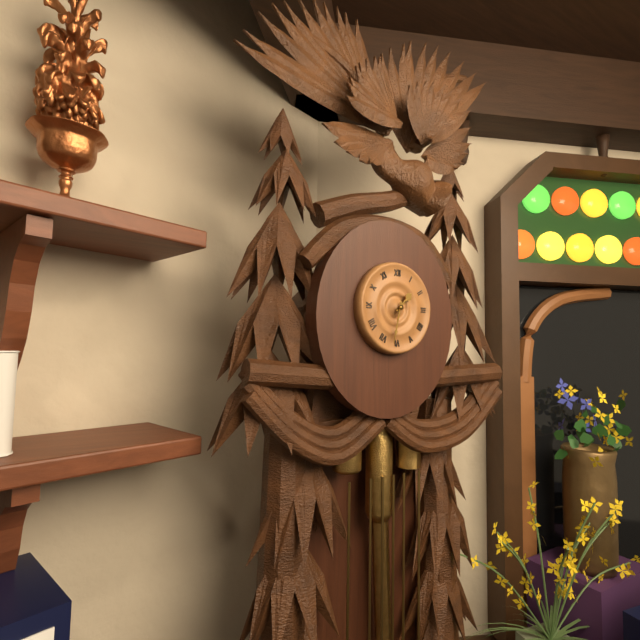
1:32
